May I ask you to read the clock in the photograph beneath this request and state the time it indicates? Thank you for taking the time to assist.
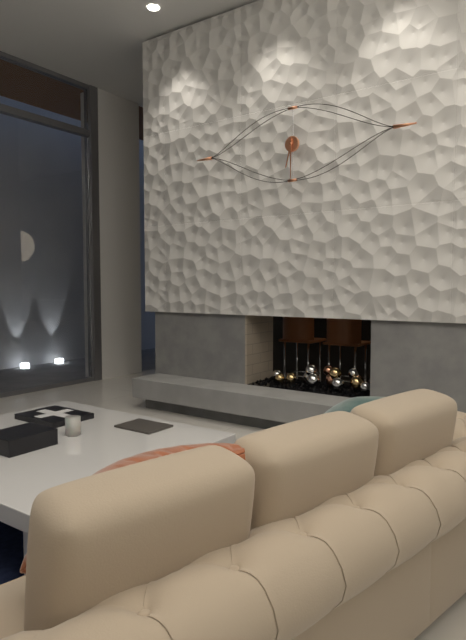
6:30
